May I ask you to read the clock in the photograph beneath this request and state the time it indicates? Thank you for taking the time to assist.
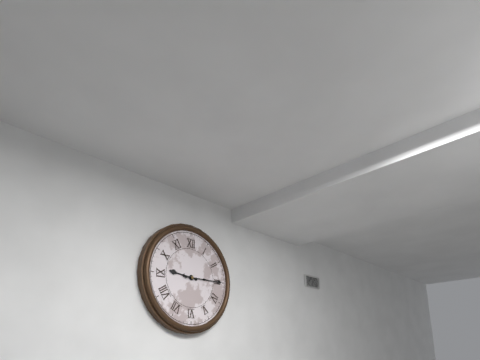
9:15
